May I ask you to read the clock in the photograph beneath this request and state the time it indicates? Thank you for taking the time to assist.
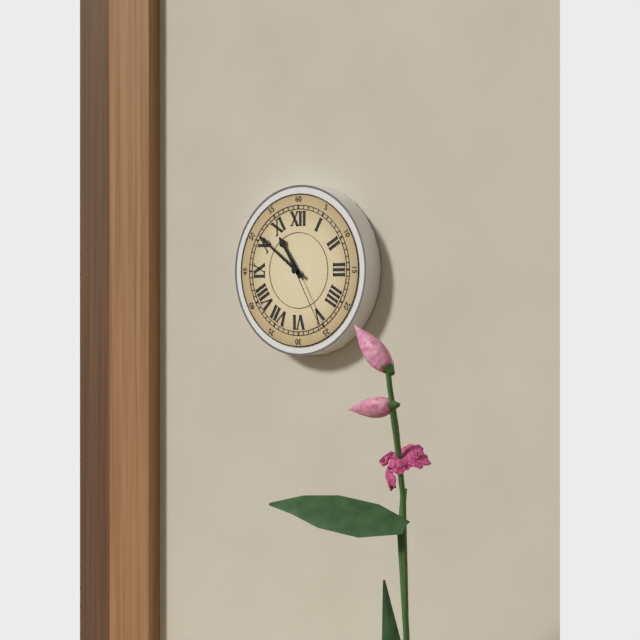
10:51:25
